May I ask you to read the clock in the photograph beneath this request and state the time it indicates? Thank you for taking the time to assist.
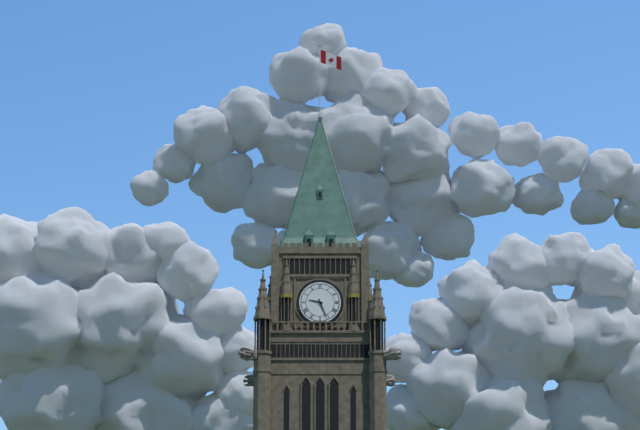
9:26
